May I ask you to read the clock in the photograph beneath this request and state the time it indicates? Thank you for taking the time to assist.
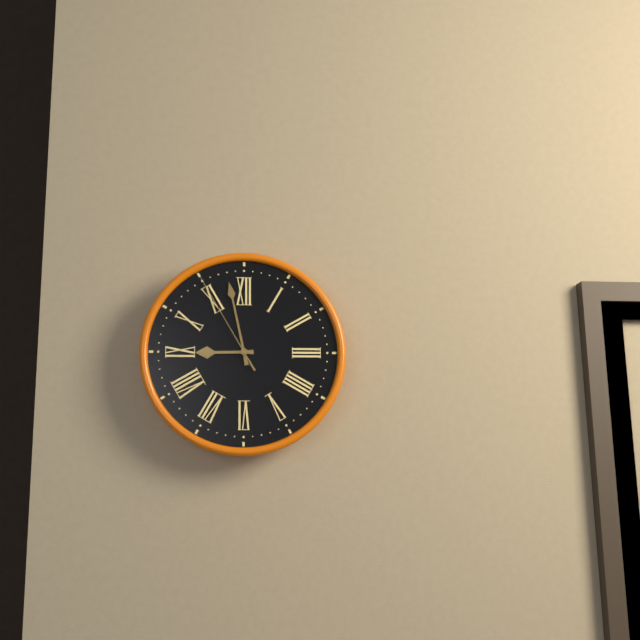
8:58:55
